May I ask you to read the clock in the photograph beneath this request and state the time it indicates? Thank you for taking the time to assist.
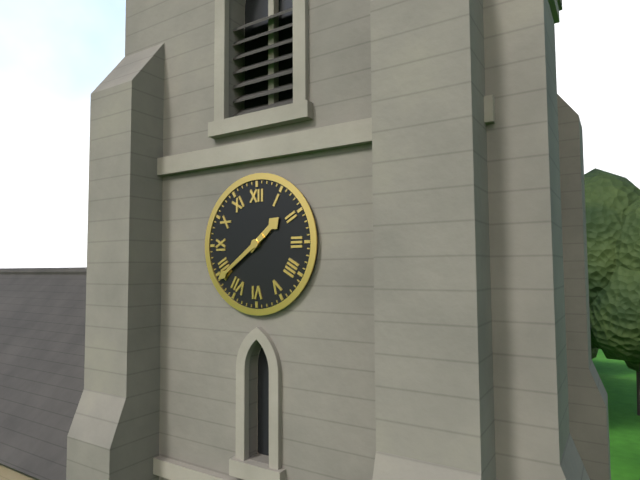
1:39
